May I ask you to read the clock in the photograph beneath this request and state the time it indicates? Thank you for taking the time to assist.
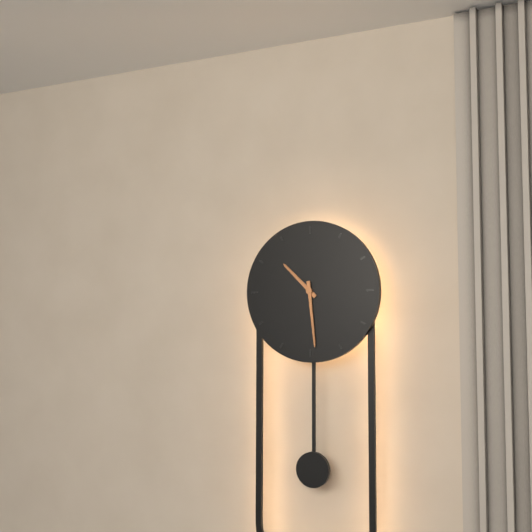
10:29
